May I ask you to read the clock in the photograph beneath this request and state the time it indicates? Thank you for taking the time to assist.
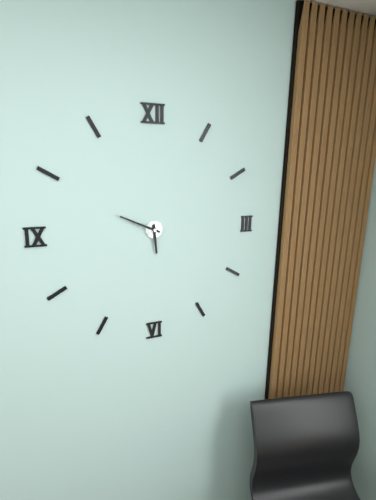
5:49
